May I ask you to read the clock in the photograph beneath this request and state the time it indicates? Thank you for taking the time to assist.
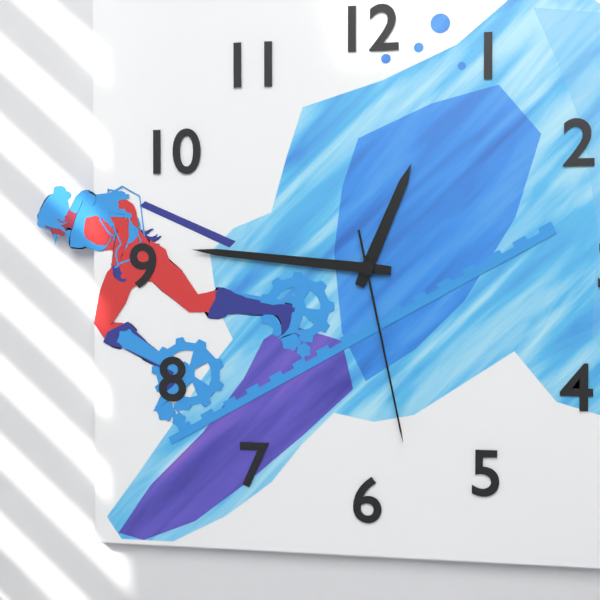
12:46:28
